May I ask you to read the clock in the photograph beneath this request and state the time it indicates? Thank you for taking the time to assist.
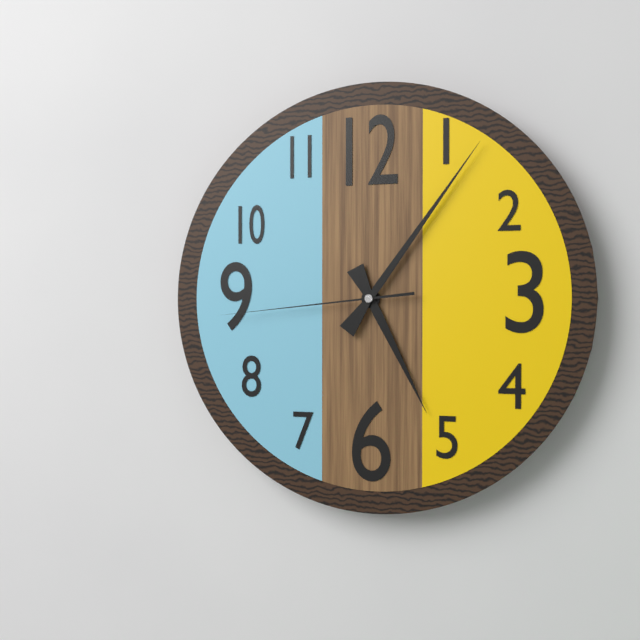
5:06:44
